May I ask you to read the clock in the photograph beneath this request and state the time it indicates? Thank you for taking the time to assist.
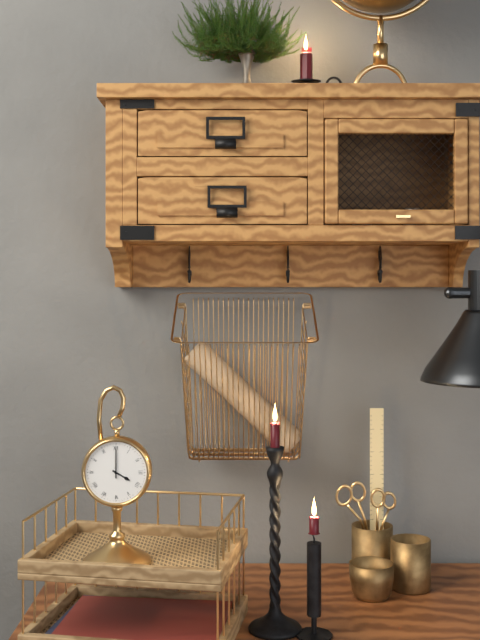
4:00
